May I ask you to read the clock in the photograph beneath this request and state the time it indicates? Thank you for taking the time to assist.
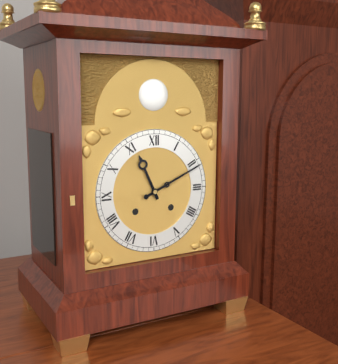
11:11
